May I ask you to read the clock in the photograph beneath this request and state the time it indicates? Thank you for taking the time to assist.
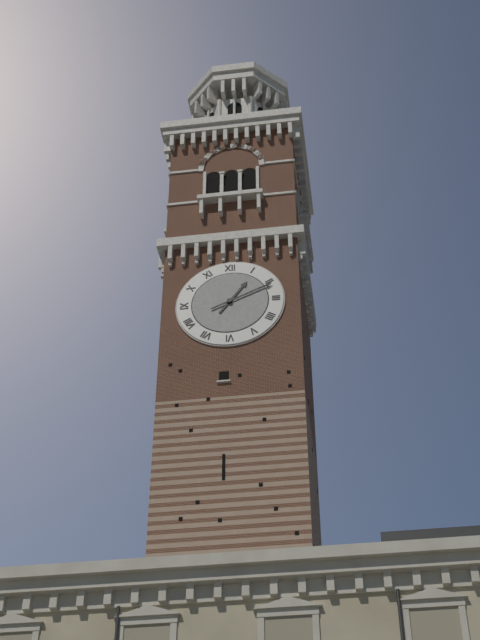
1:11
